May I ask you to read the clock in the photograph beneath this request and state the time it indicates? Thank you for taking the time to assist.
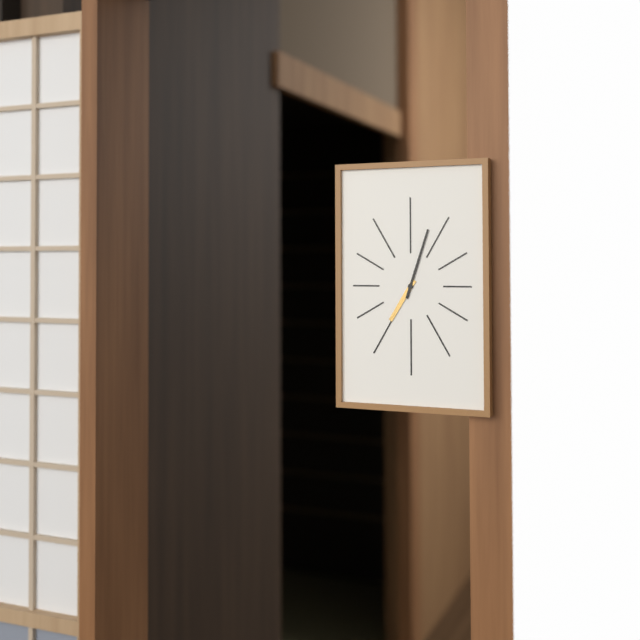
7:03
